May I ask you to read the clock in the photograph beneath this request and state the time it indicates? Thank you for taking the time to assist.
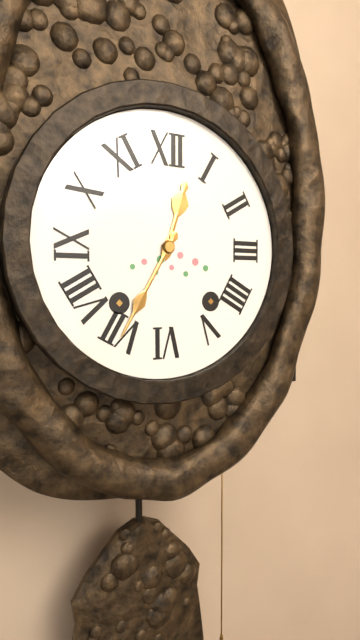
12:35
